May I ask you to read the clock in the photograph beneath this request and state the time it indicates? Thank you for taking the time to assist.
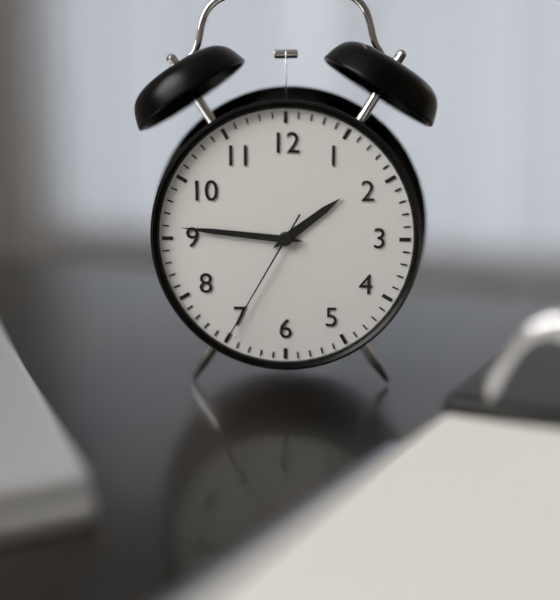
1:46:35
